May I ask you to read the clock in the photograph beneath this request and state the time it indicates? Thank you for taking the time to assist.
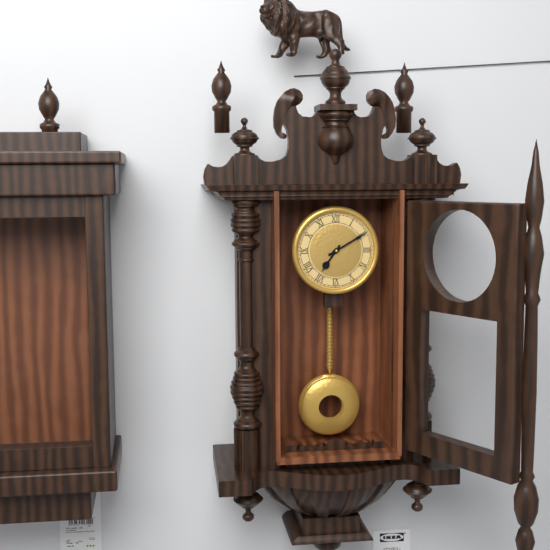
7:10
